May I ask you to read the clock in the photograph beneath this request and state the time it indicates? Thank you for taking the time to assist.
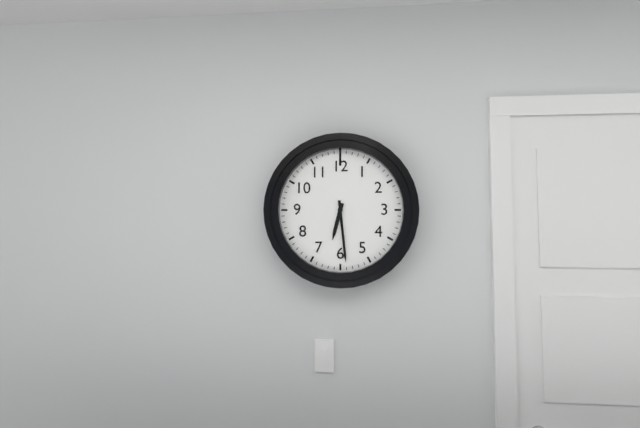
6:29
